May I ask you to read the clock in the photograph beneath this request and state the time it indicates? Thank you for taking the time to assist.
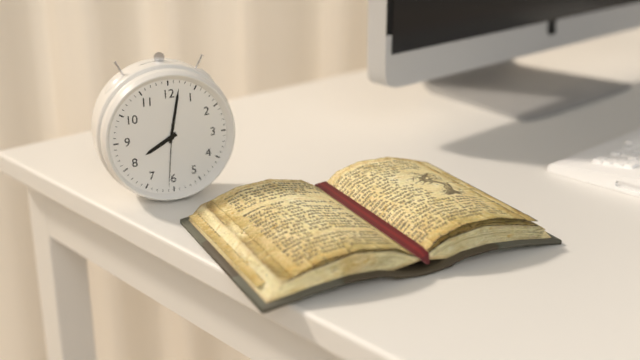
8:02:31
